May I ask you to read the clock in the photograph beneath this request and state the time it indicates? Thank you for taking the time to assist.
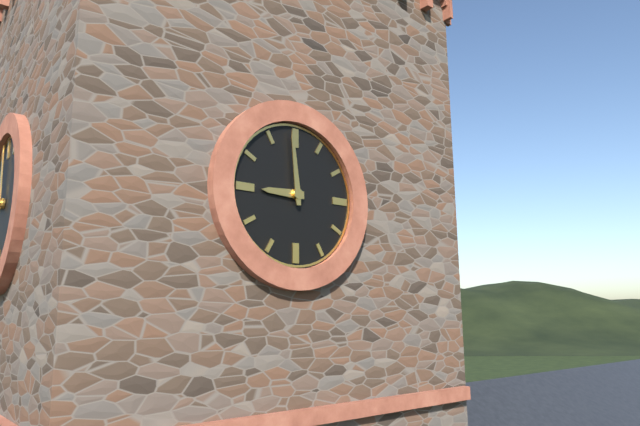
8:59
